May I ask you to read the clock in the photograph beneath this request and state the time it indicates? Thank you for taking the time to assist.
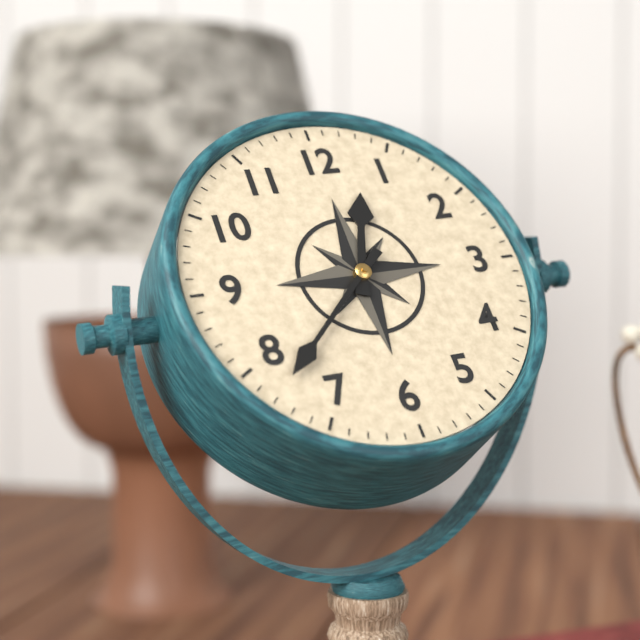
12:38
